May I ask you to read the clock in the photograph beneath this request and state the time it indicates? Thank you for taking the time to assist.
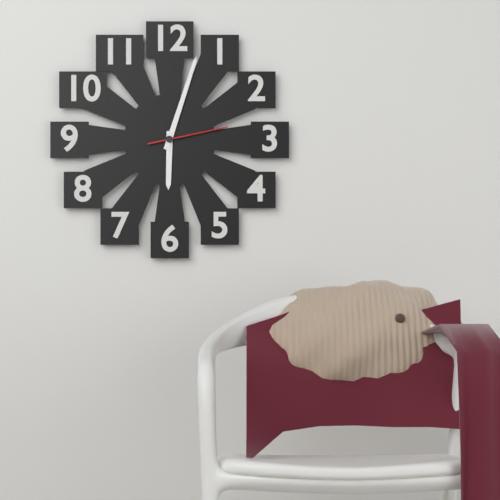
6:03:13
